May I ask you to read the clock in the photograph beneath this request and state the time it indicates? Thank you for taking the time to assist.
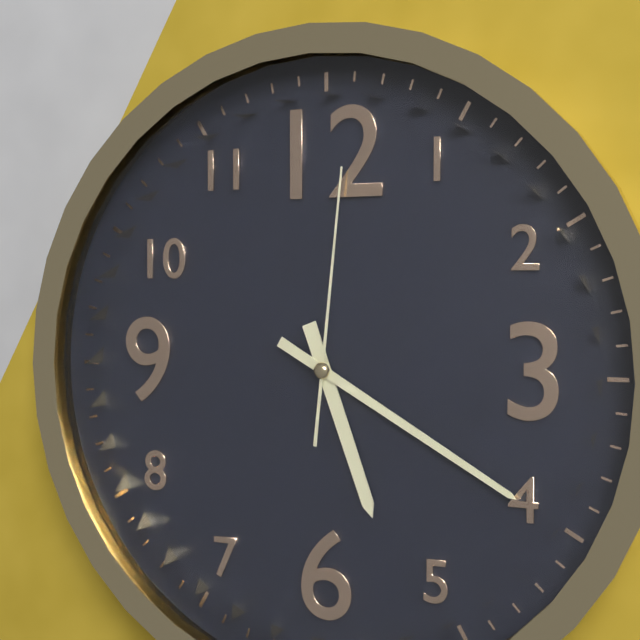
5:20:01
